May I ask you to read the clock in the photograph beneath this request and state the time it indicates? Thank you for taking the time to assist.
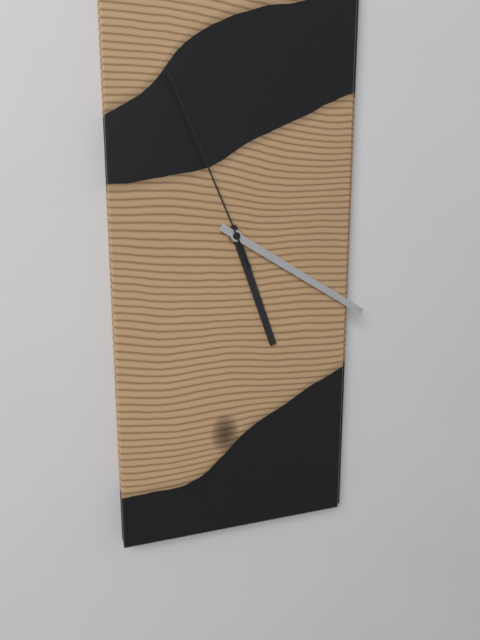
5:20:56
